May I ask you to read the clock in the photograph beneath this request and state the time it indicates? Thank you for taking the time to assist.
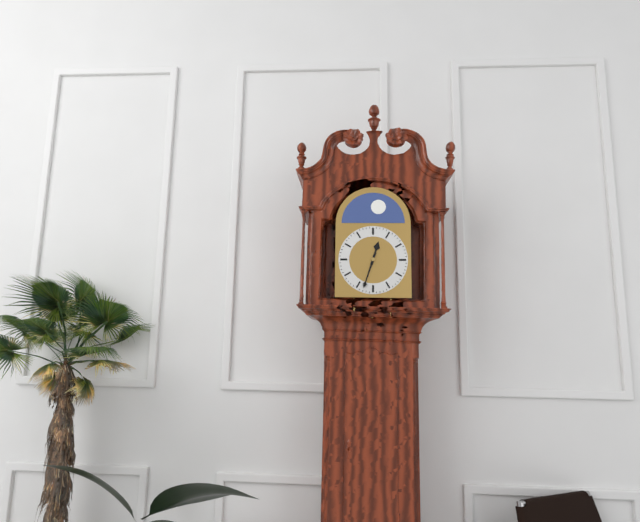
12:33
